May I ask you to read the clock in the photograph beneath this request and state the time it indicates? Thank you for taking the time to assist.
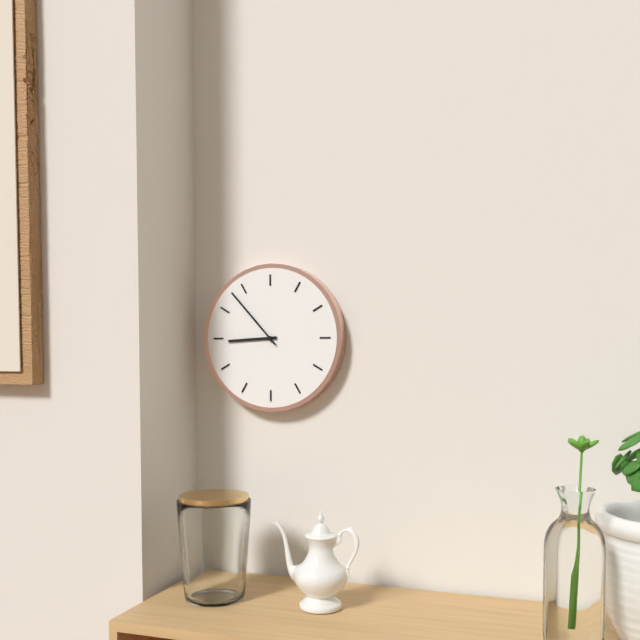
8:53
